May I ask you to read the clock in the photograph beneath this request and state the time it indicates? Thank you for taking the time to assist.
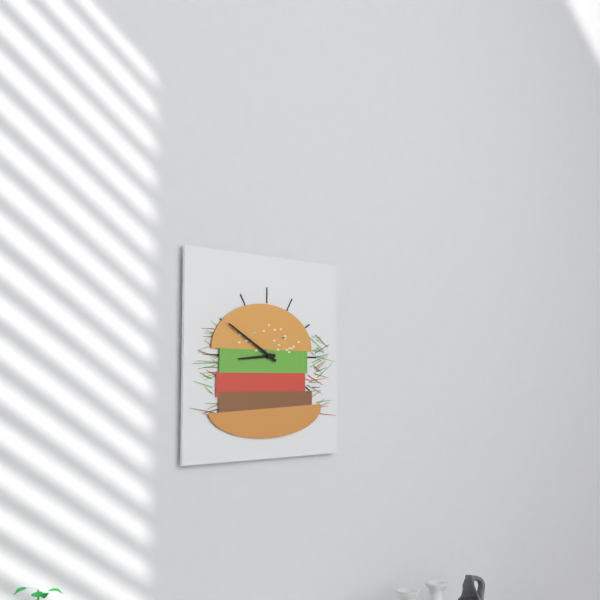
8:50
